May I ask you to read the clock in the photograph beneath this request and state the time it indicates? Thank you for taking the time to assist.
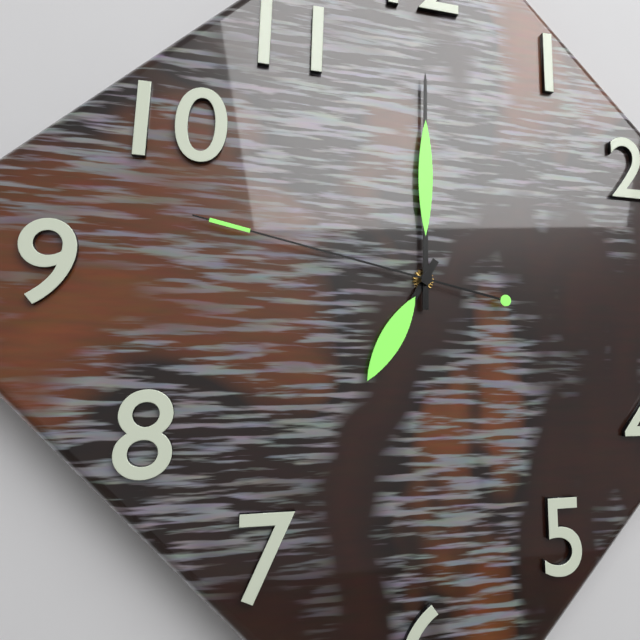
7:00:47
